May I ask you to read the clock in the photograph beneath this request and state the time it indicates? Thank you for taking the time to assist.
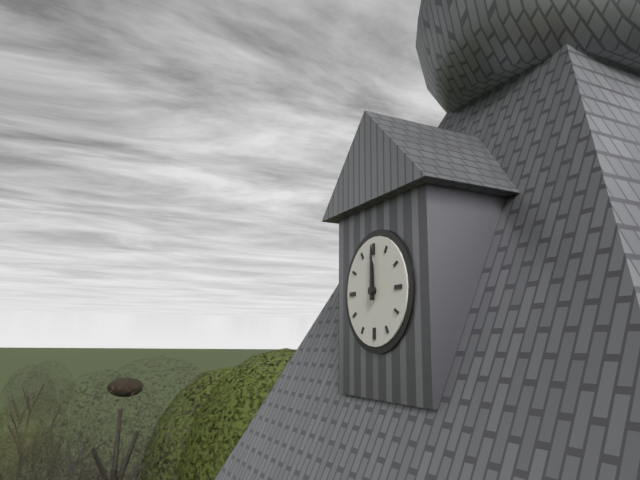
12:00
